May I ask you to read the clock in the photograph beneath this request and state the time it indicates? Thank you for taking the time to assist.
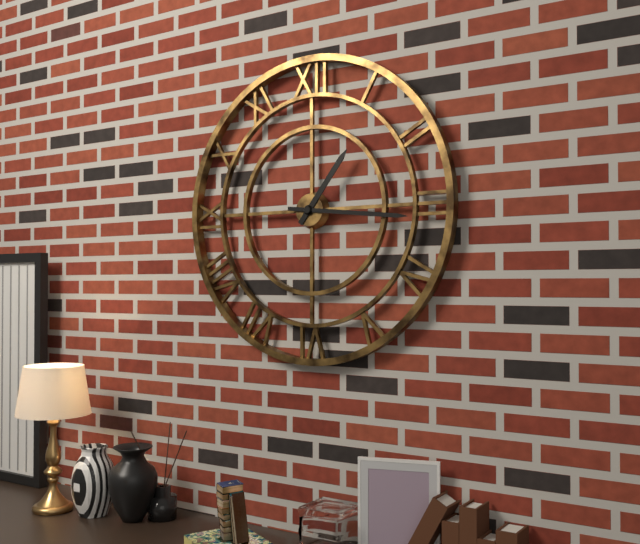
1:16
